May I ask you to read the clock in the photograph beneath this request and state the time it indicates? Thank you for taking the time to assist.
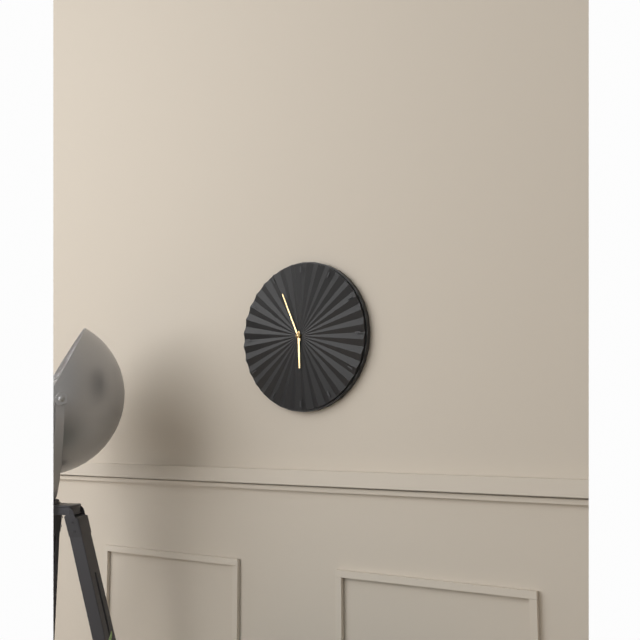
5:56
